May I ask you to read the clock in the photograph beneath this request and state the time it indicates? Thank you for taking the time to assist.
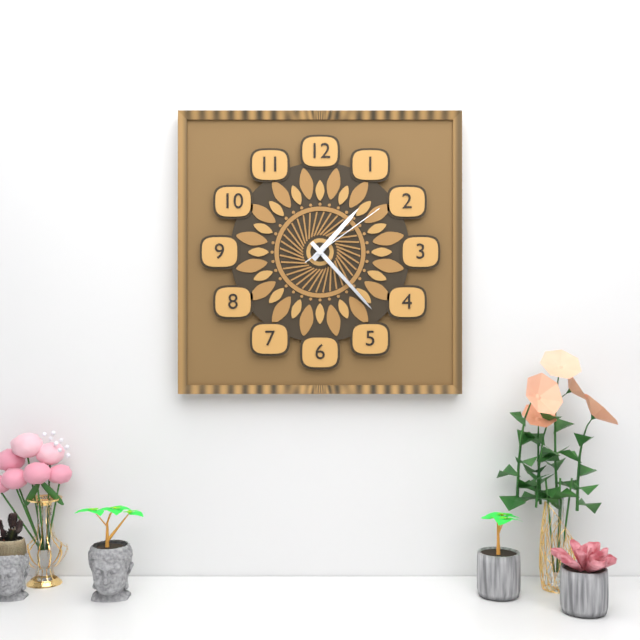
1:23:09
